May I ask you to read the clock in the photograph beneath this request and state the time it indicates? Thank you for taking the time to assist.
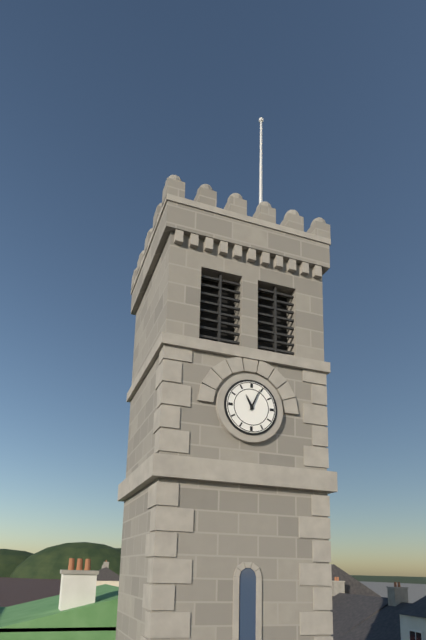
11:04
